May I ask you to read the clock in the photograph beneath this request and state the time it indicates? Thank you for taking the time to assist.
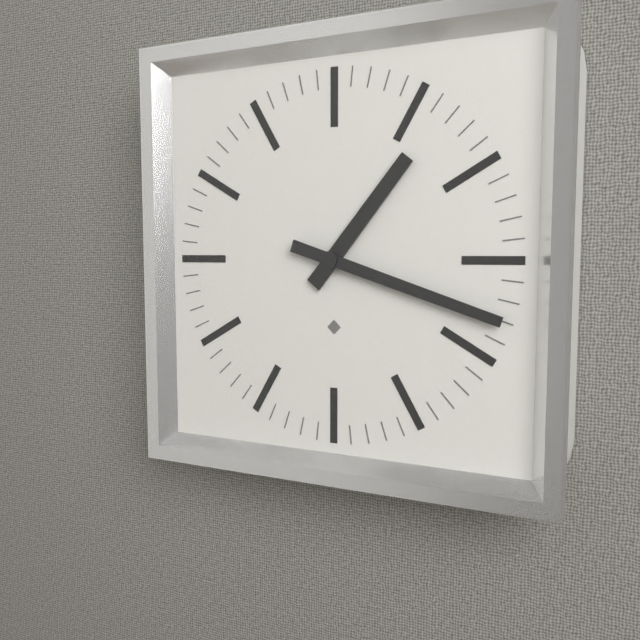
1:18
